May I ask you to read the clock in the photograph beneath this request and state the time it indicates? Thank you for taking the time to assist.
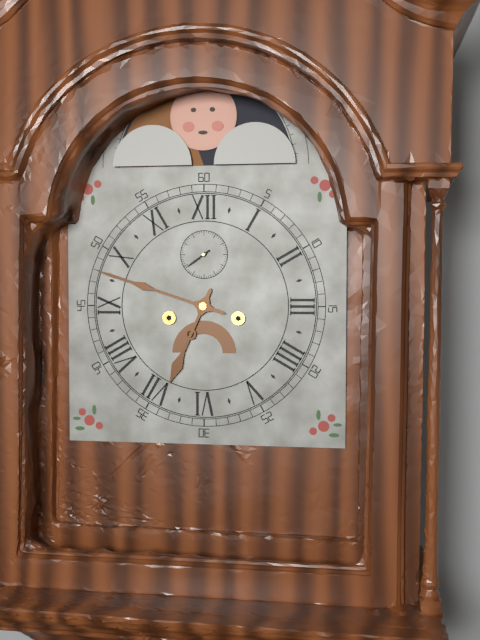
6:48
